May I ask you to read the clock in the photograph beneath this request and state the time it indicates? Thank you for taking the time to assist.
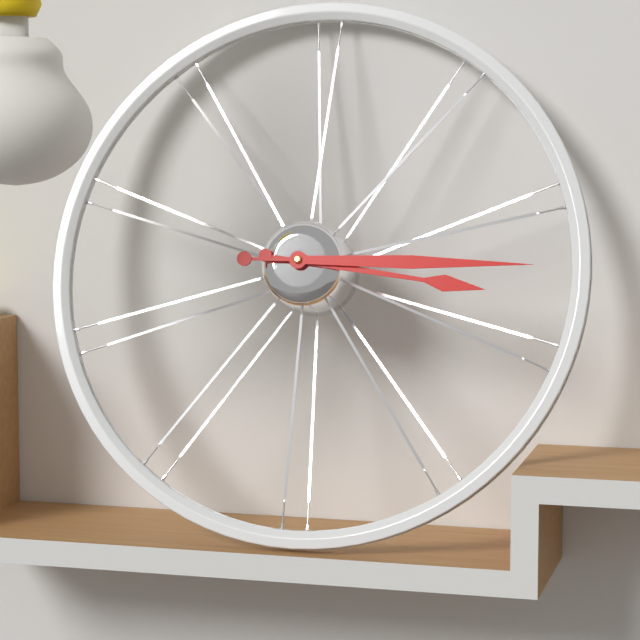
3:15
